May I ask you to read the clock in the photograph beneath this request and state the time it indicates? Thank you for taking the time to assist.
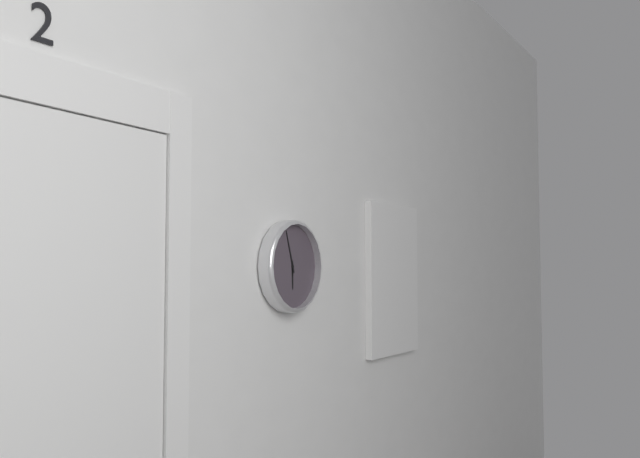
5:57
